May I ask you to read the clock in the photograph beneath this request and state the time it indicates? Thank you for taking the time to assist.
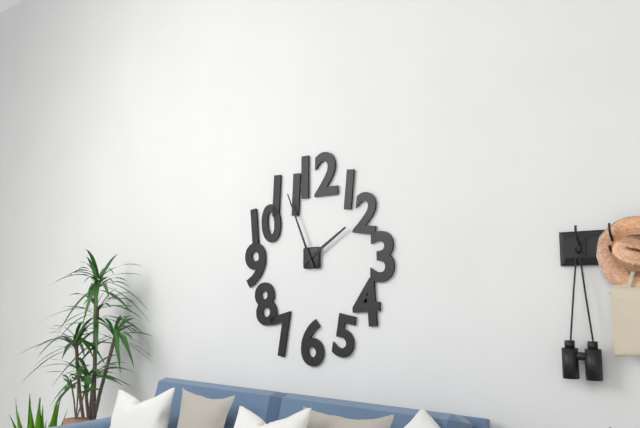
1:56
